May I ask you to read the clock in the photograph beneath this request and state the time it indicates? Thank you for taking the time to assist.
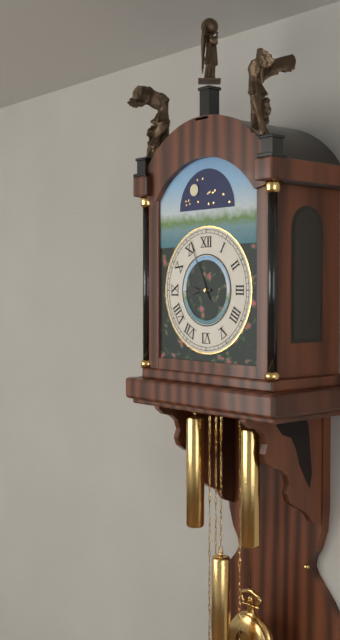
8:56
